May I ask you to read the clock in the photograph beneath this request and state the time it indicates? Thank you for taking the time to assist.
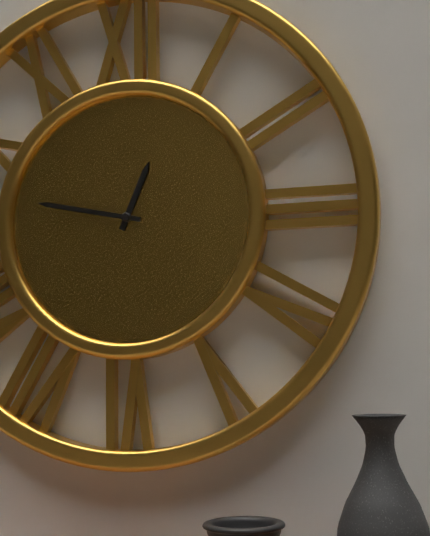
12:47
